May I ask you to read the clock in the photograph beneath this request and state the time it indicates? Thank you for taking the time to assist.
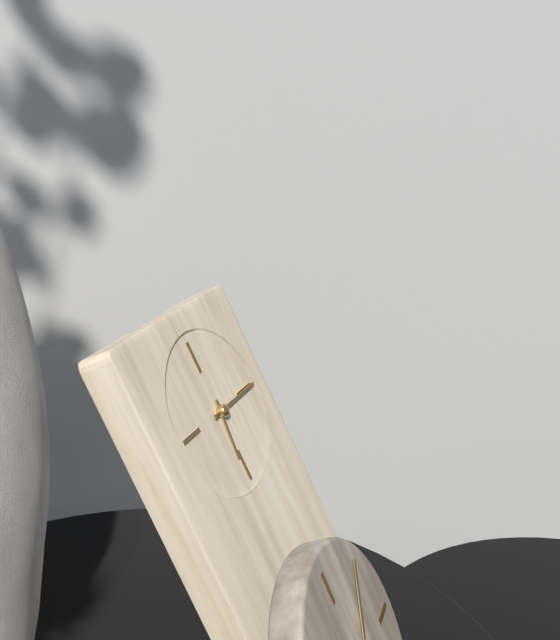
6:15
